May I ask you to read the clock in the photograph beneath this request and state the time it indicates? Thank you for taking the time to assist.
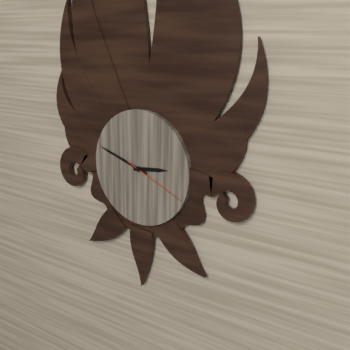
2:48:19
